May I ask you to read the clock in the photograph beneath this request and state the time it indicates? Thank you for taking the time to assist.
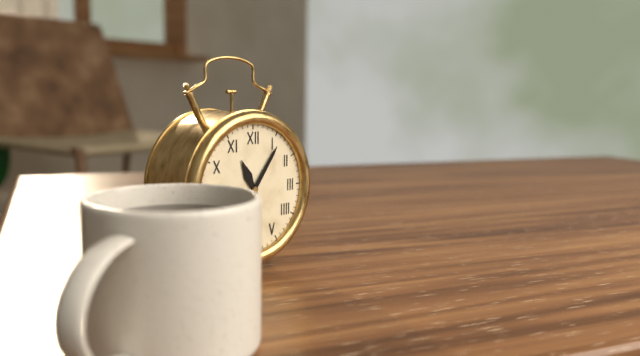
11:06
